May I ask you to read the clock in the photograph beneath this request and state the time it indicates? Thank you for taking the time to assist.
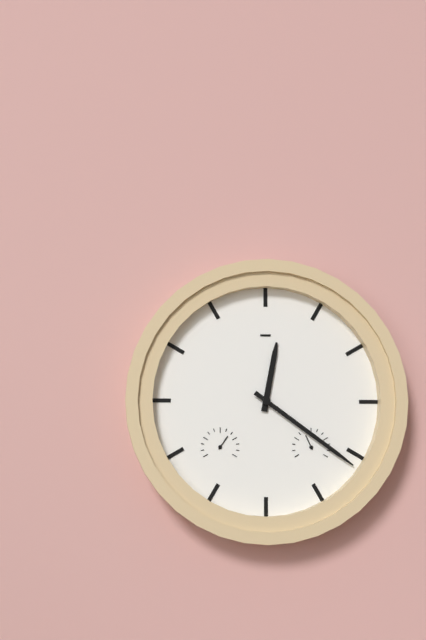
12:21
